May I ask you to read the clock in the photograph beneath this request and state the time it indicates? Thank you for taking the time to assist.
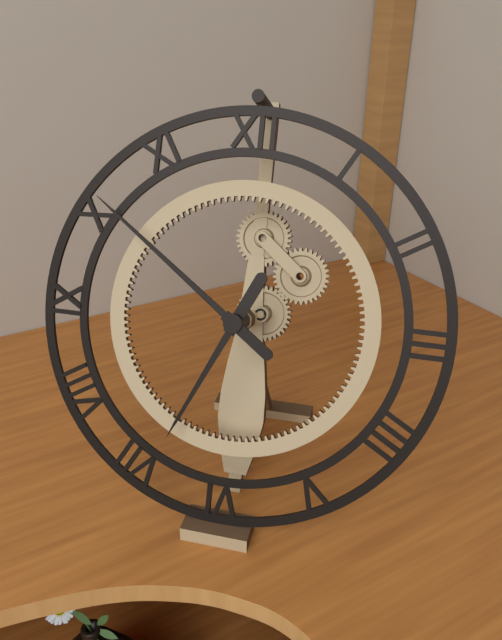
6:51
